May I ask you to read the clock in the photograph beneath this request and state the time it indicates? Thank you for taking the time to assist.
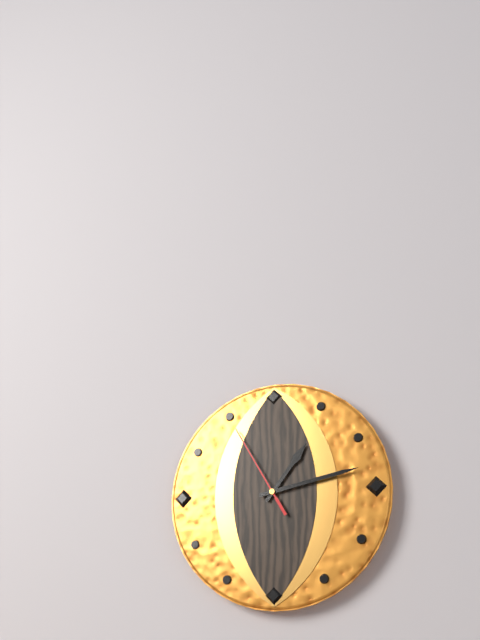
1:13:55
